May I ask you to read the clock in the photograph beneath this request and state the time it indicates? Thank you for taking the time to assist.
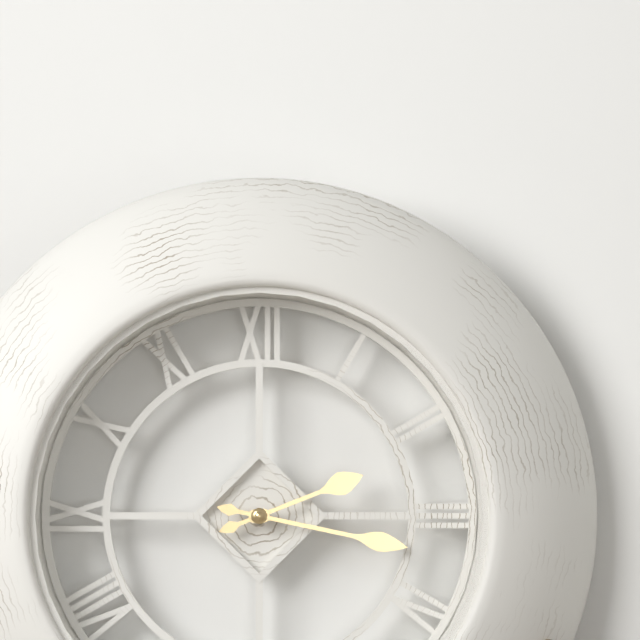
2:17
